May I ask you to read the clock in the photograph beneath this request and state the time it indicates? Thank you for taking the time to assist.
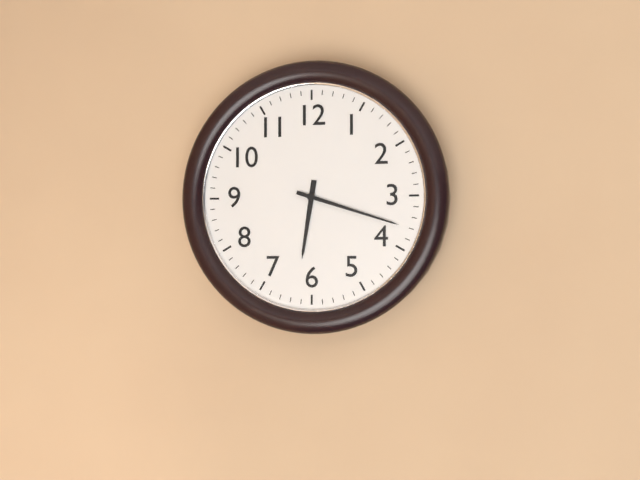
6:18
